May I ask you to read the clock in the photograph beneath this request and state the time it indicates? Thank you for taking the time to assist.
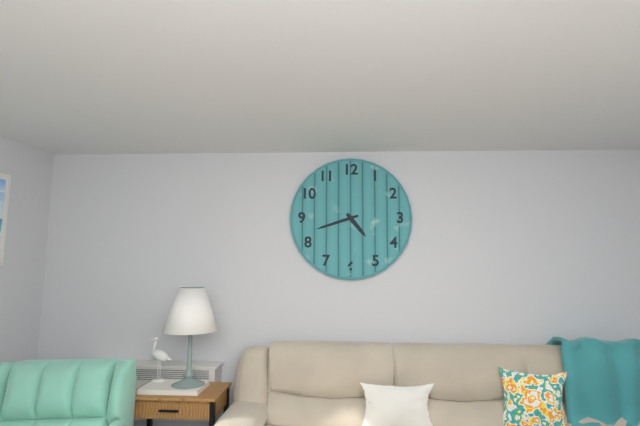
4:42
